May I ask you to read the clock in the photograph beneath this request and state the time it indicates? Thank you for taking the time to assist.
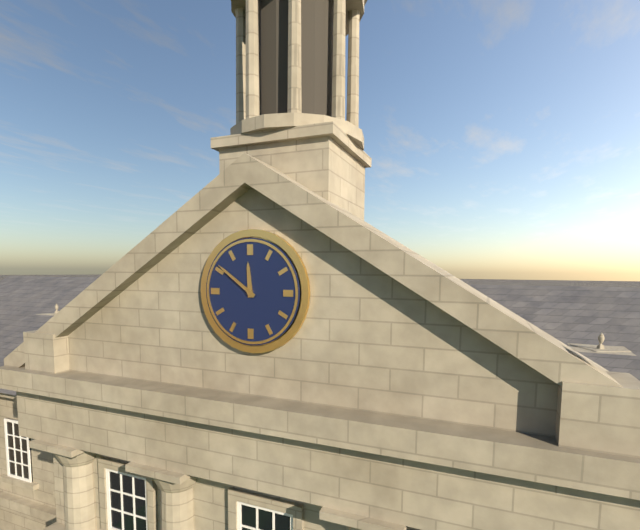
11:51
